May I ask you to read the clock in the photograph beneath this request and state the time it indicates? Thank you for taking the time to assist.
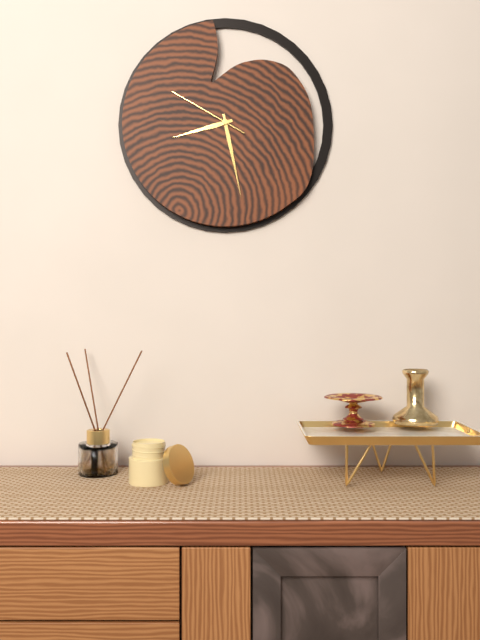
8:28:50
